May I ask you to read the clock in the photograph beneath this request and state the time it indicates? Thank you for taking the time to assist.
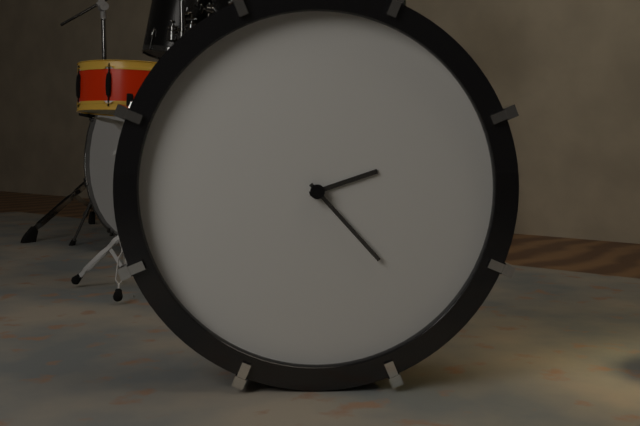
2:23
